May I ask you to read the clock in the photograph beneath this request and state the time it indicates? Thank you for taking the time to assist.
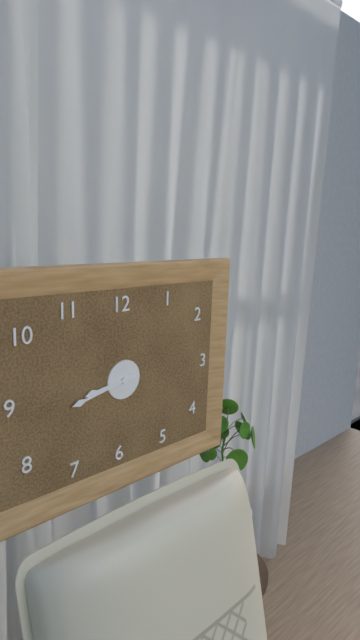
8:43
